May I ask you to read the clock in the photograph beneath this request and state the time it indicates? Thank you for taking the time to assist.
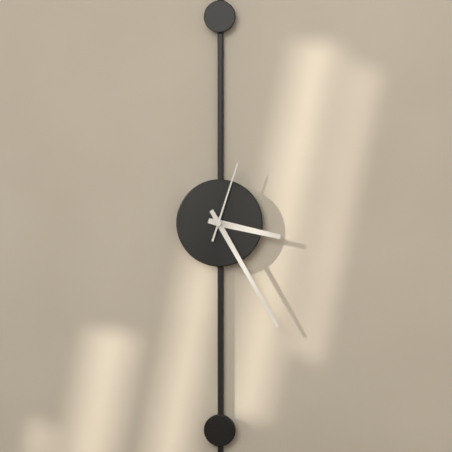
3:25:03
